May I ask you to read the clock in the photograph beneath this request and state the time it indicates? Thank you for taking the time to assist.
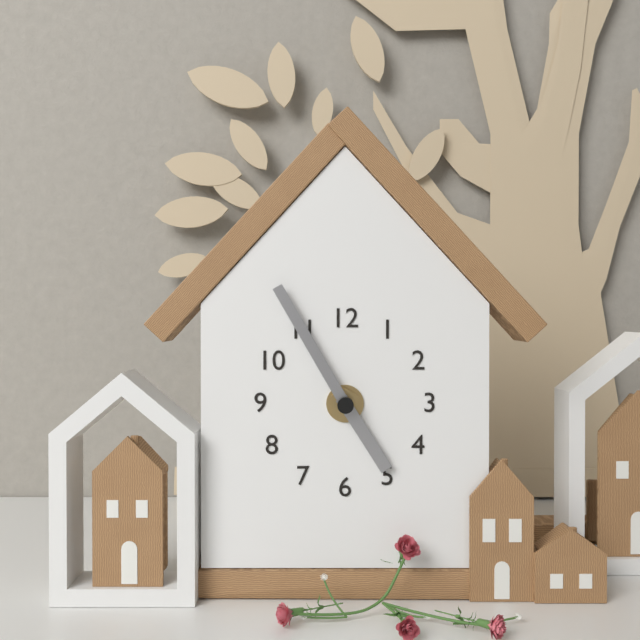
4:55
